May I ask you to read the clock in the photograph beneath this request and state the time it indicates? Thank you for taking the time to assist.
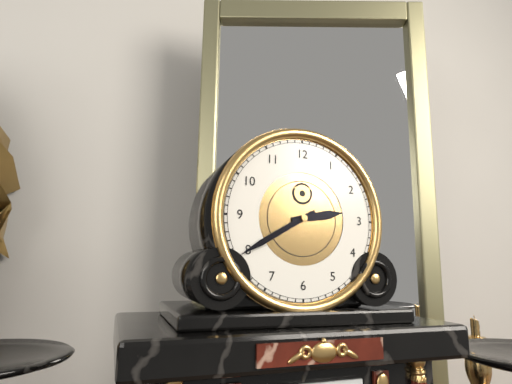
2:40
